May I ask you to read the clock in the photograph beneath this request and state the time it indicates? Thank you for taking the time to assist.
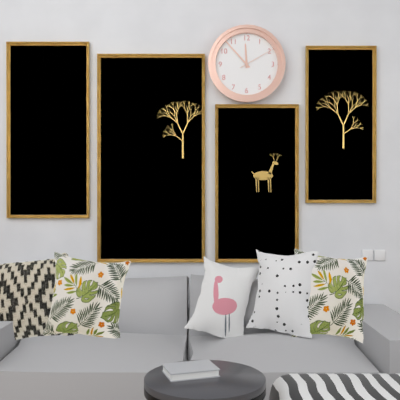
11:53
